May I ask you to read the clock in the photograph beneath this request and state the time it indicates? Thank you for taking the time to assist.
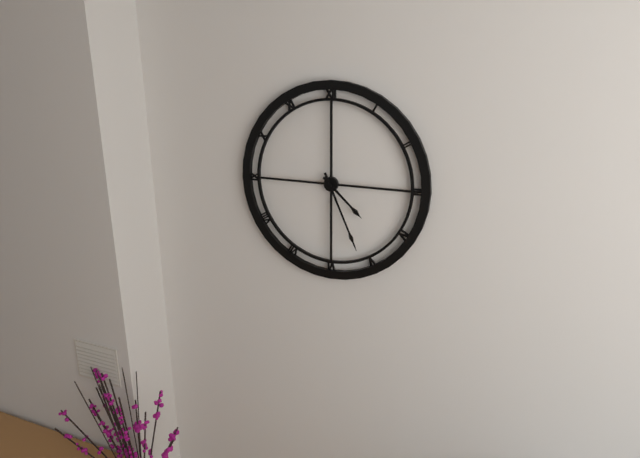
4:26
